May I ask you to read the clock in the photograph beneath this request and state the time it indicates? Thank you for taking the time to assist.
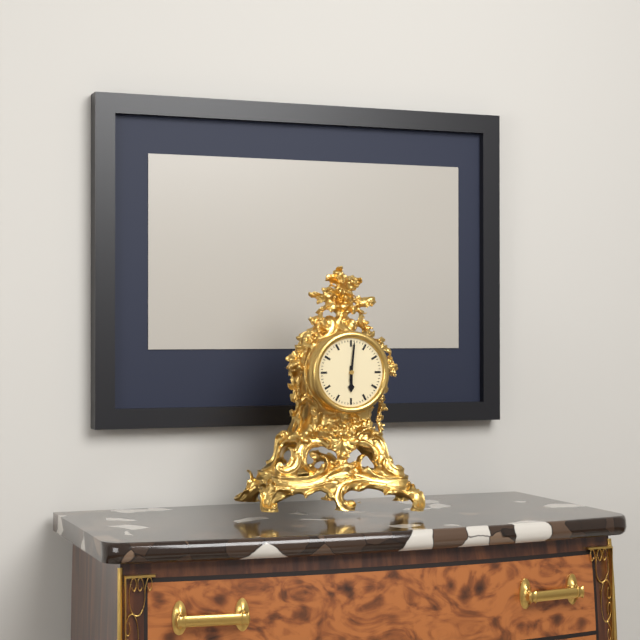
6:01
